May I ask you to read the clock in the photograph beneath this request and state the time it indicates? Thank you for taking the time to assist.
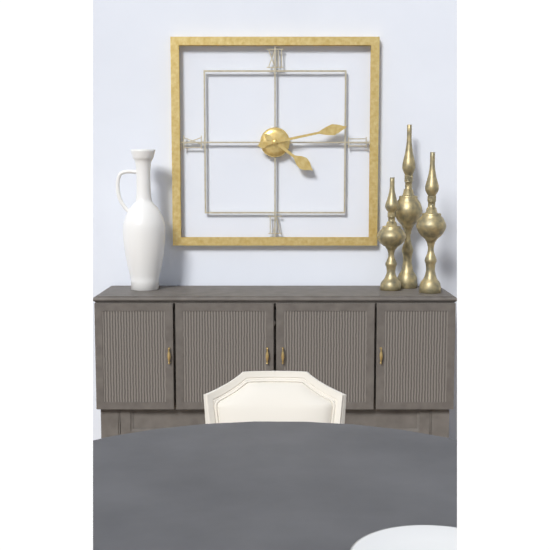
4:13
